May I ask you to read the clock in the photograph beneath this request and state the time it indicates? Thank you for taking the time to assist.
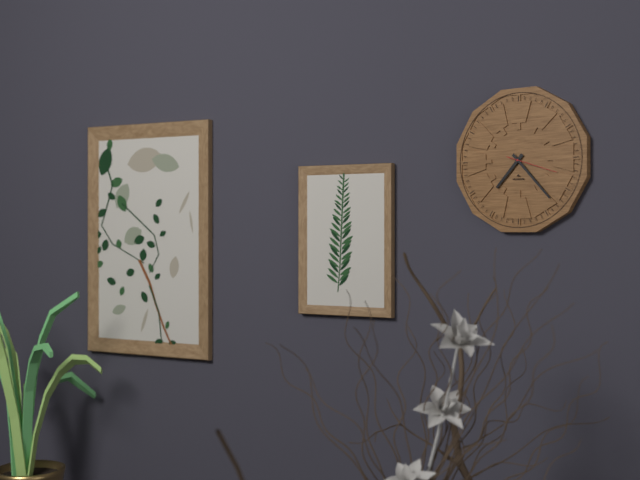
7:23:18
